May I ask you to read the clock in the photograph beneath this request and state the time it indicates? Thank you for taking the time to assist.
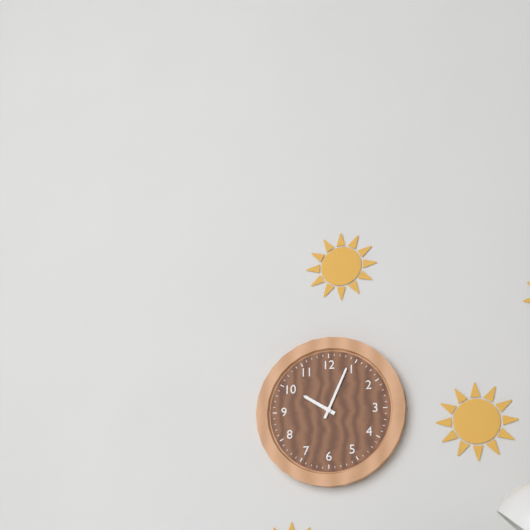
10:04
